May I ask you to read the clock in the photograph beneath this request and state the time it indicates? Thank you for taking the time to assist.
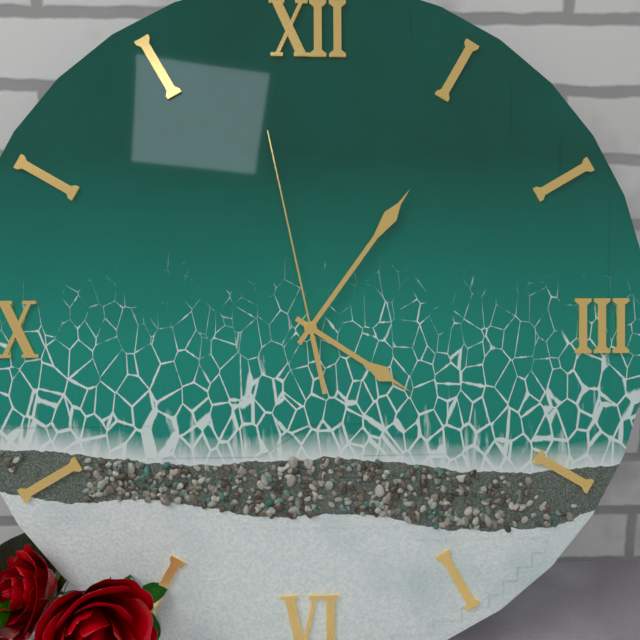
4:06:58
